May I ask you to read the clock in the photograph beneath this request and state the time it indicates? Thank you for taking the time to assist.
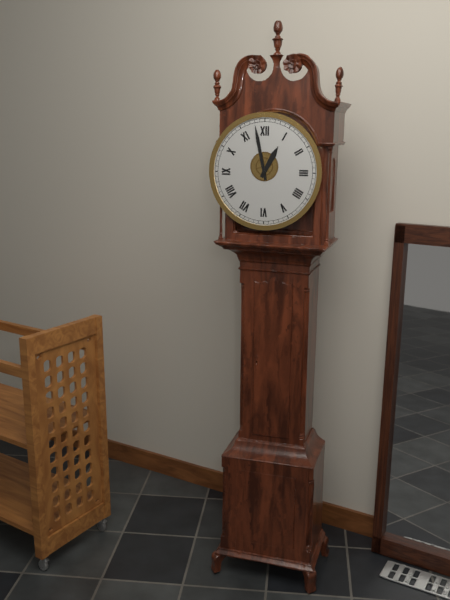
12:58
